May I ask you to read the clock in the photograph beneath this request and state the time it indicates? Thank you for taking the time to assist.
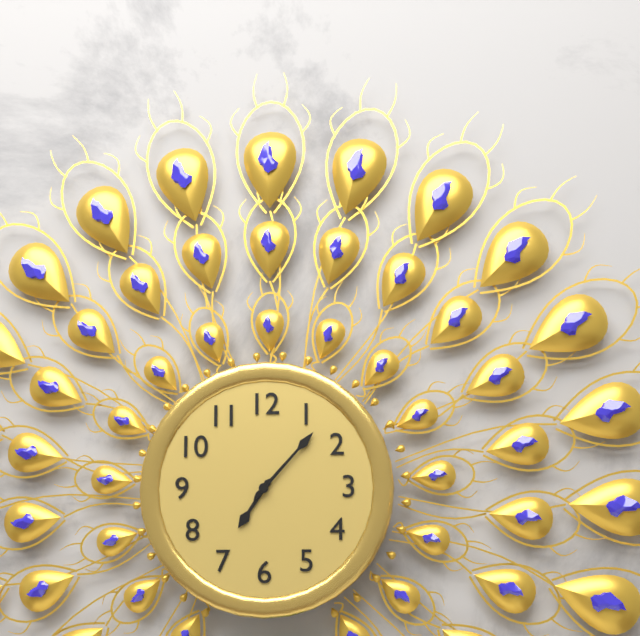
7:07
